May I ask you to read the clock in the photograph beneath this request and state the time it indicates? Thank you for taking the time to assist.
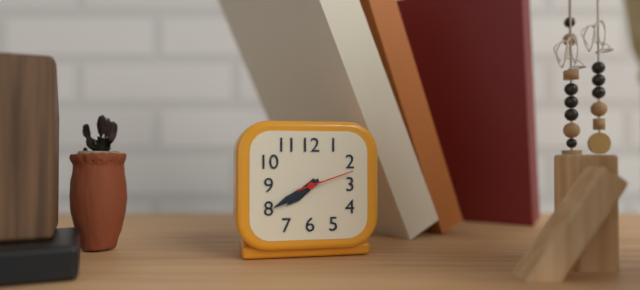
7:40:12
